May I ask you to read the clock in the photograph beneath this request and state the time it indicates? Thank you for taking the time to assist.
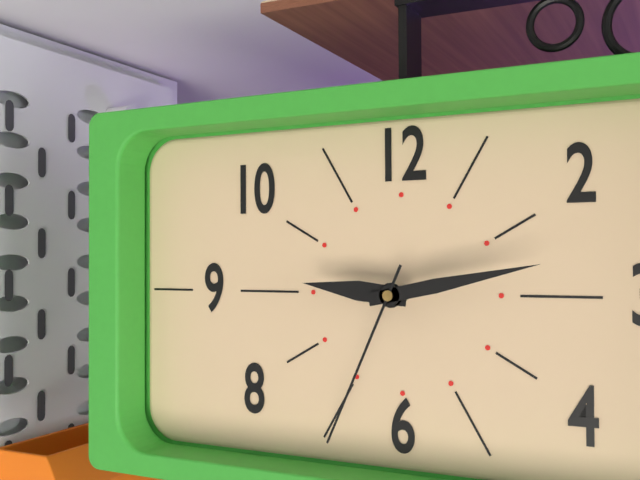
9:13:34
